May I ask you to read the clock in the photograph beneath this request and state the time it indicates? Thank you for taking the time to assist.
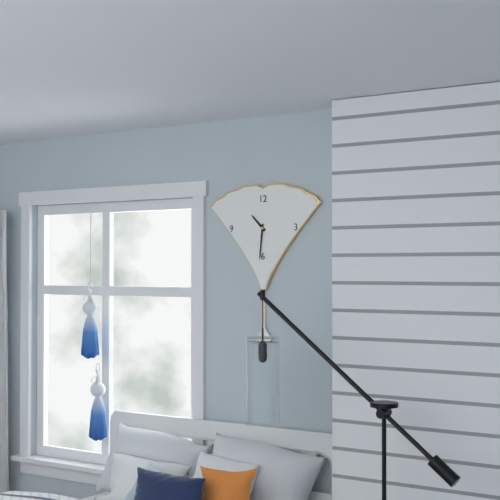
10:31
